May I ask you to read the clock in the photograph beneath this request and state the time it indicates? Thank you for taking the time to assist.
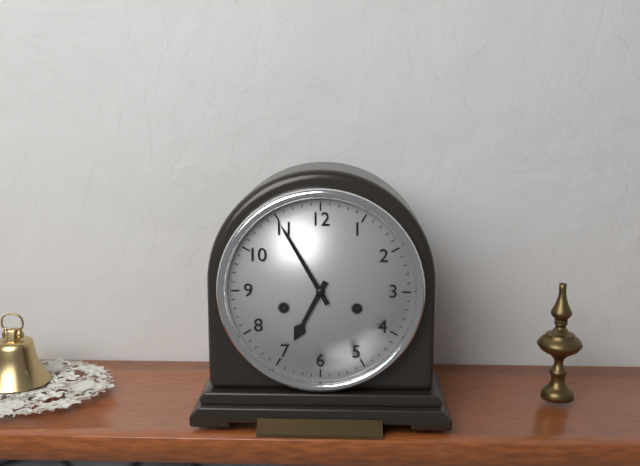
6:55
